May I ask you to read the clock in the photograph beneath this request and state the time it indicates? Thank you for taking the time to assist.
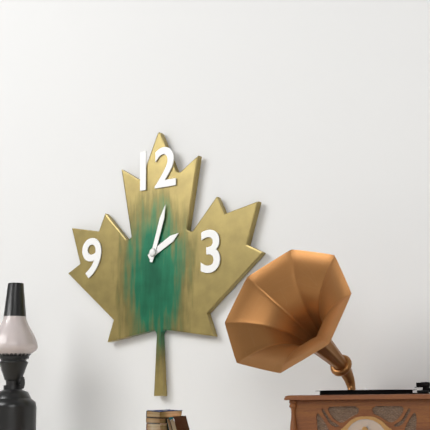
2:03
